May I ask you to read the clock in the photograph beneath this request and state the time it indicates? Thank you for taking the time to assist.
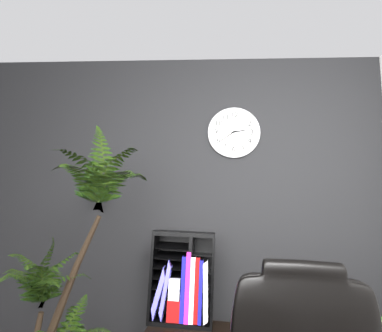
2:39
